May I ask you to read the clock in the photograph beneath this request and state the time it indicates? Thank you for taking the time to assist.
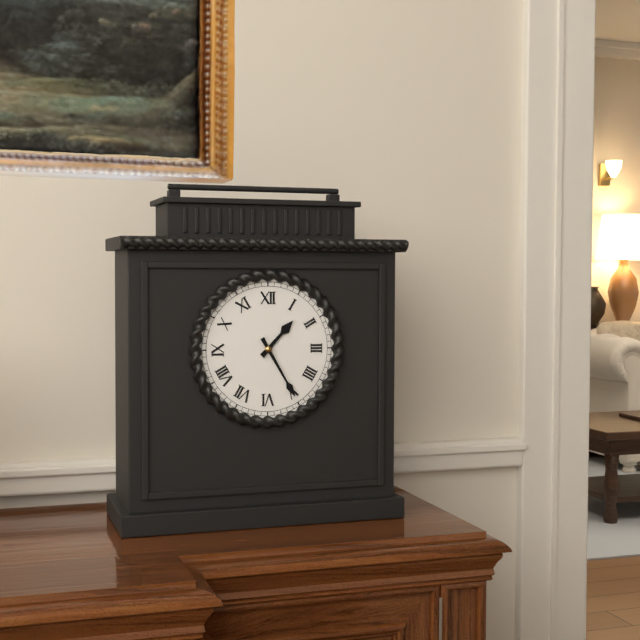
1:25
